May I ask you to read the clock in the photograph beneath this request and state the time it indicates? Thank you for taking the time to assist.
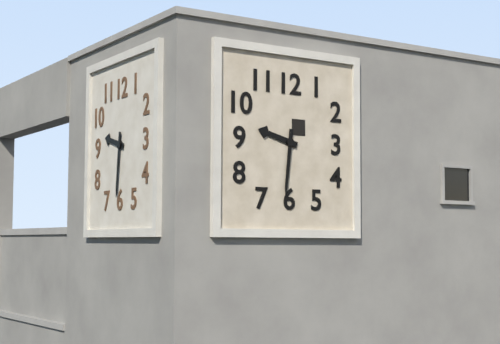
9:31
